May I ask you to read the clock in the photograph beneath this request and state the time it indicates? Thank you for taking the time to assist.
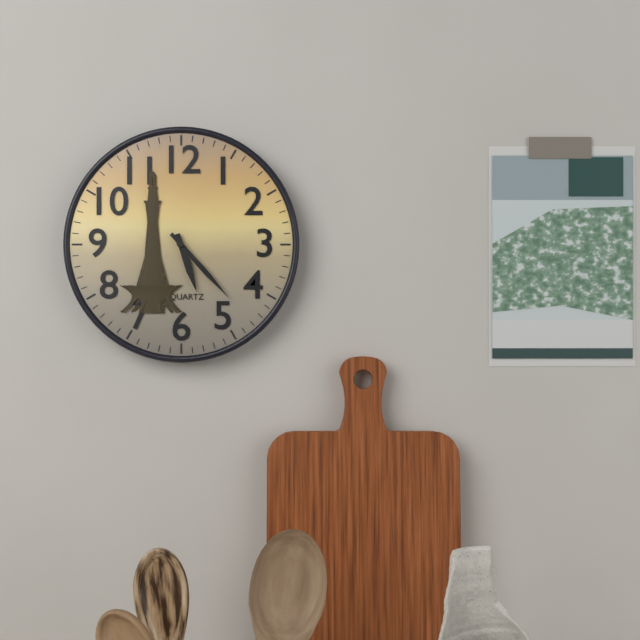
5:23
